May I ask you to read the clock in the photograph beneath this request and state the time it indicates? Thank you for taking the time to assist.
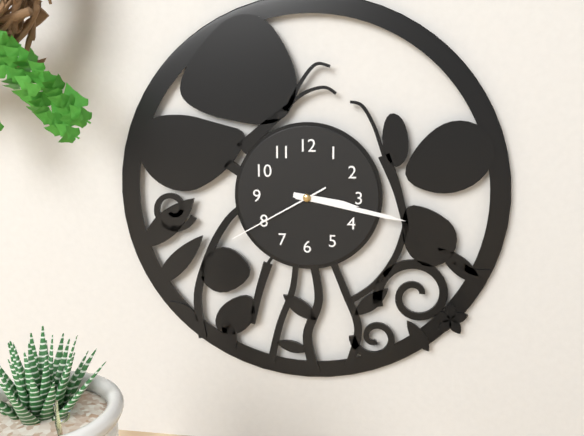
3:17:40
